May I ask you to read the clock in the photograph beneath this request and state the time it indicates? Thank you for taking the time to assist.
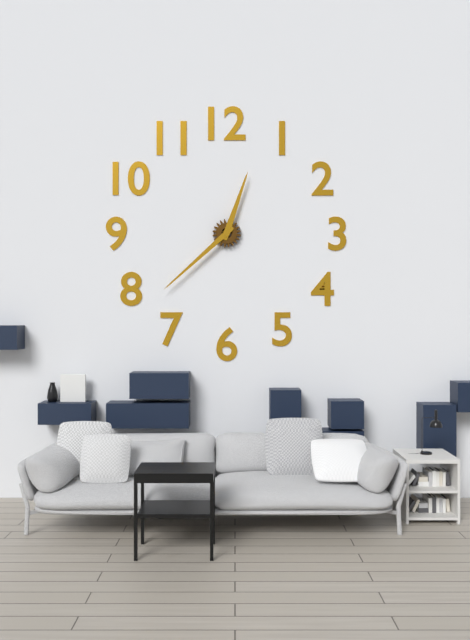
12:38
